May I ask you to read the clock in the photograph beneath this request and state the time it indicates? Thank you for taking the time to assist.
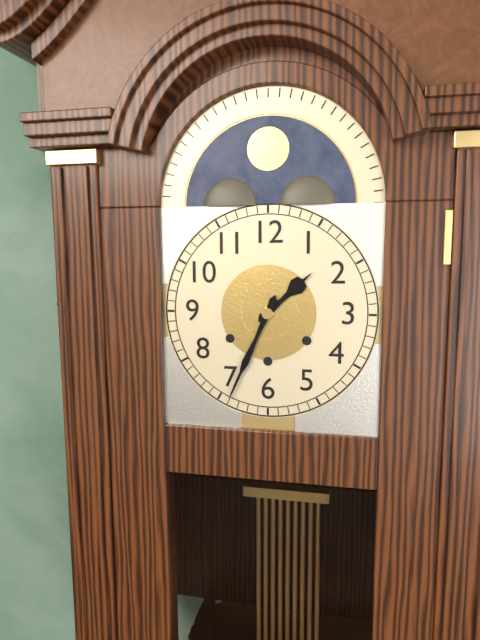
1:34
